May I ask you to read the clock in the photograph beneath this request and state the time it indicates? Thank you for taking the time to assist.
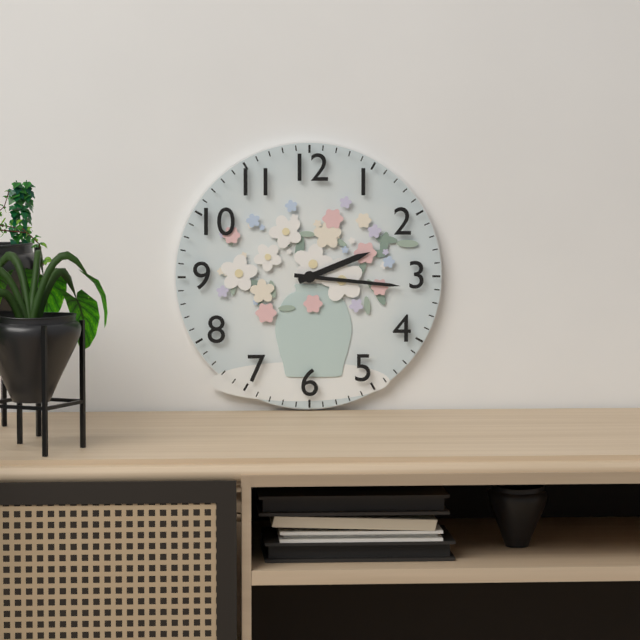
2:16
